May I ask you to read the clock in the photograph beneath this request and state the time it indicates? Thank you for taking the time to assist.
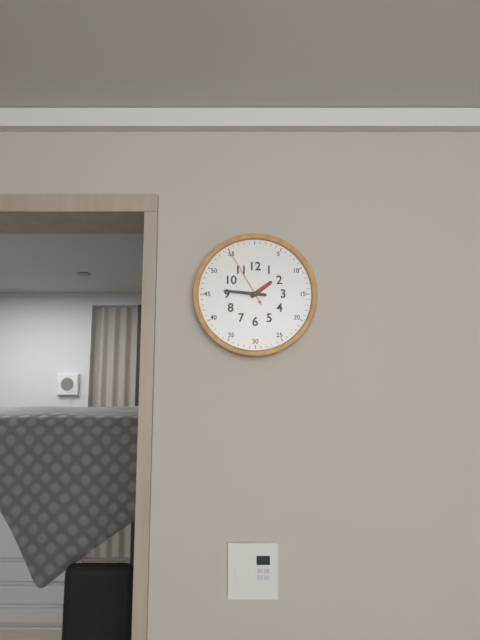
1:46:55
